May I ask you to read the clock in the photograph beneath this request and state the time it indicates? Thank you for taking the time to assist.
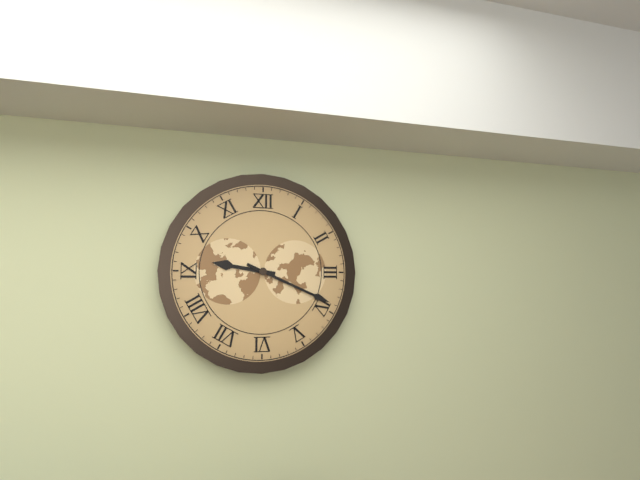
9:19
